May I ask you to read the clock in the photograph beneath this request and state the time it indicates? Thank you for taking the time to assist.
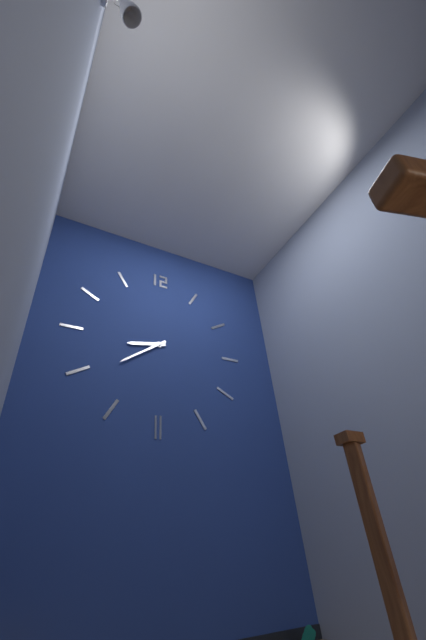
8:39
